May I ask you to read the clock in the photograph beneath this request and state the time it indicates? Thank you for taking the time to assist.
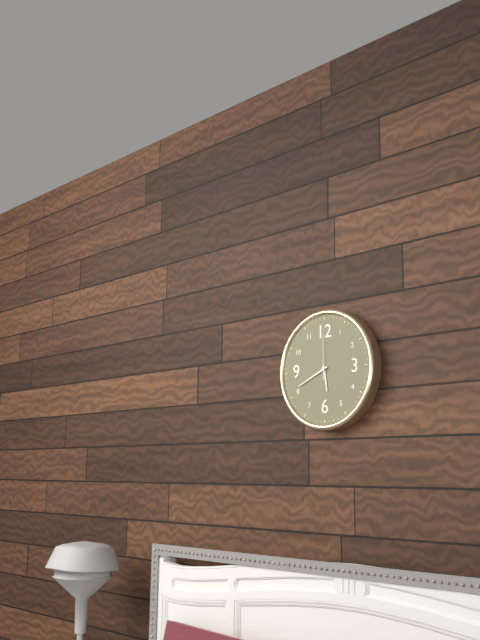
5:41
